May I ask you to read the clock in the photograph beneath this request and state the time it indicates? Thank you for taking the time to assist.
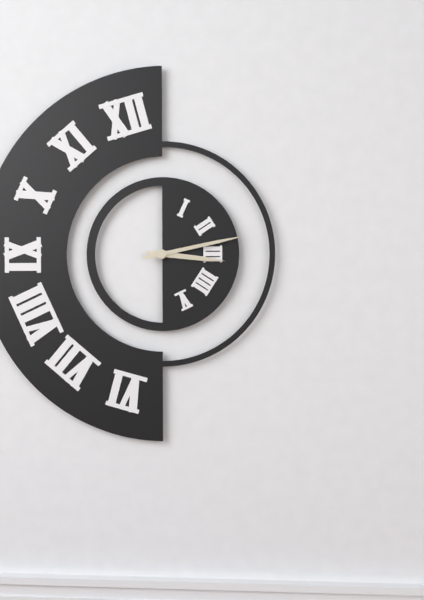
3:13
